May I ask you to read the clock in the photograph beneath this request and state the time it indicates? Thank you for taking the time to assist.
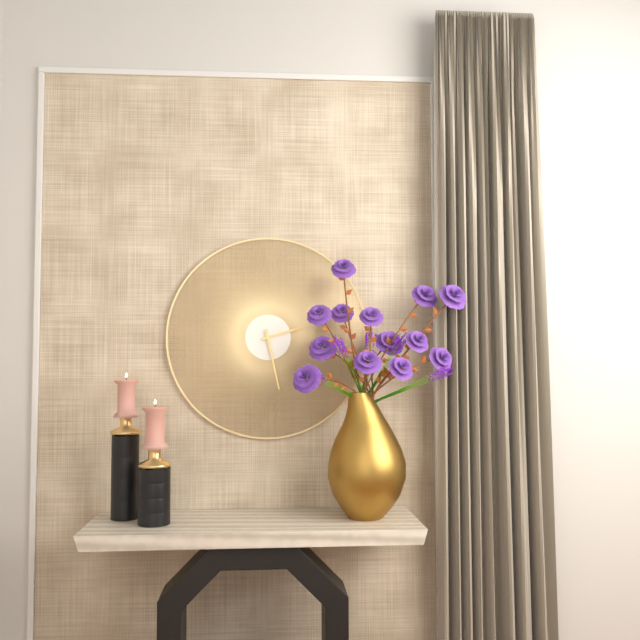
2:28
